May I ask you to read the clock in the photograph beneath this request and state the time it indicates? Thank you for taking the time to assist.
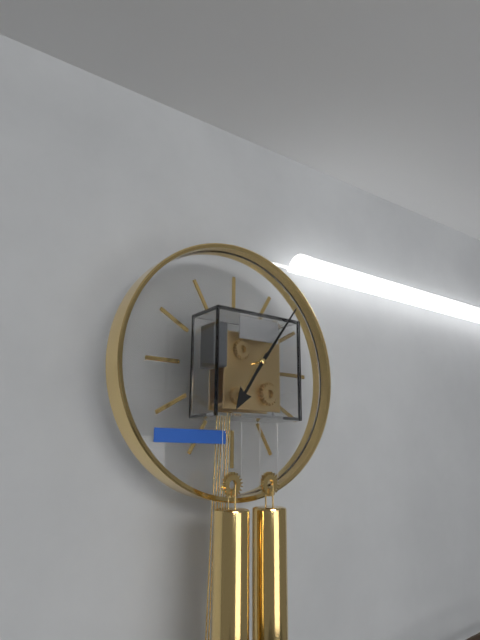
7:06
